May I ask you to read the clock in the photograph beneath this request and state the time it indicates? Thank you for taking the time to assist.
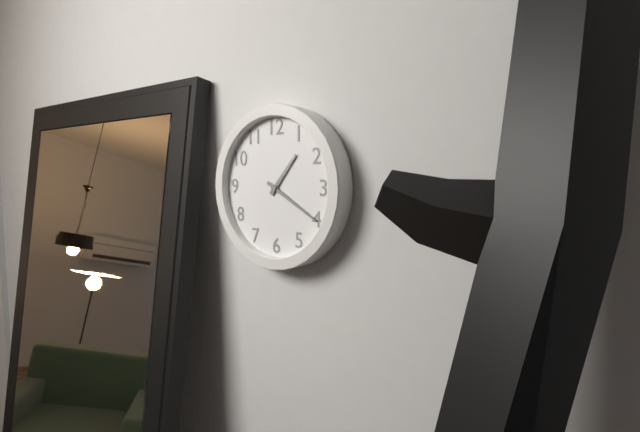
1:20
